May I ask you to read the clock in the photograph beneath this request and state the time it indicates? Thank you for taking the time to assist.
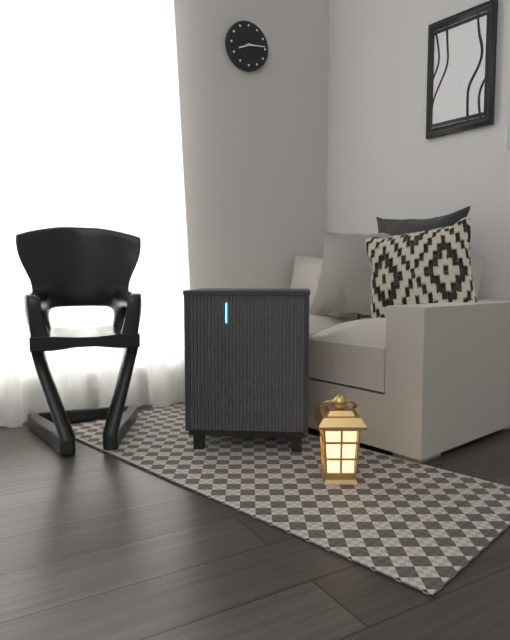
8:14
